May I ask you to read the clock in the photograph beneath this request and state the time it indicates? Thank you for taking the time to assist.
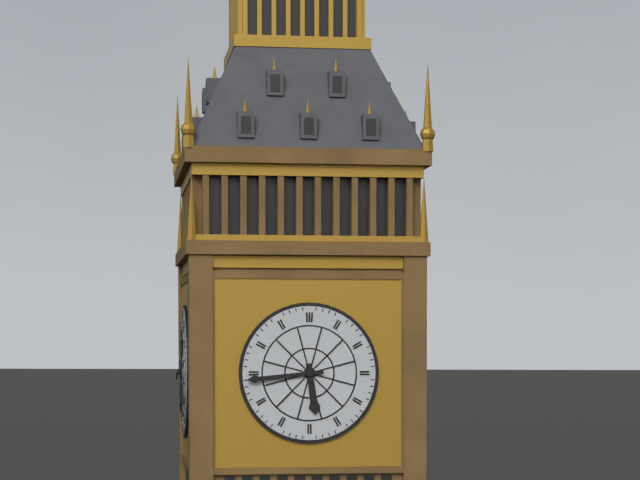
5:44
